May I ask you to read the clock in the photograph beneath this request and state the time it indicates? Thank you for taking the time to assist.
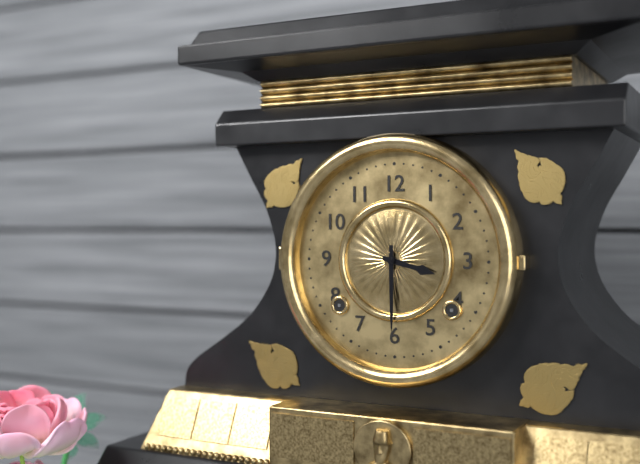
3:30
